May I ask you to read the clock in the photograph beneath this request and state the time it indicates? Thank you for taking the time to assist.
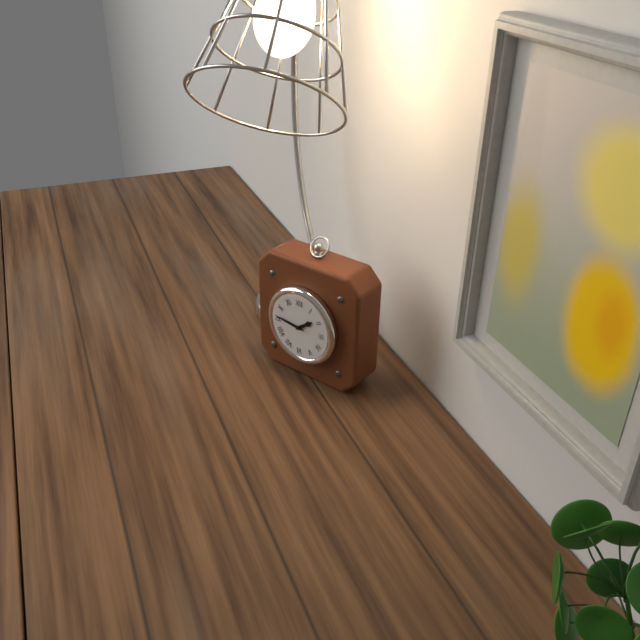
1:46
